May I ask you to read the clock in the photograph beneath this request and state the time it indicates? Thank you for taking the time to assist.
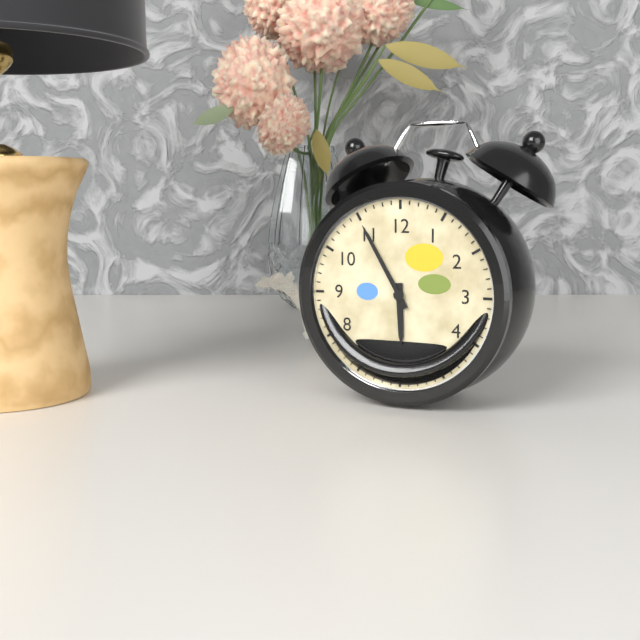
5:55
